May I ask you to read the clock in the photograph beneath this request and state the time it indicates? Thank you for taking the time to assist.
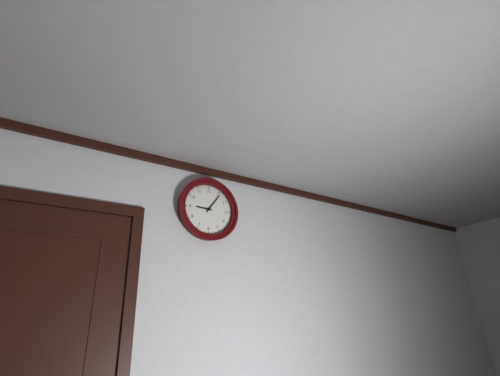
9:06
